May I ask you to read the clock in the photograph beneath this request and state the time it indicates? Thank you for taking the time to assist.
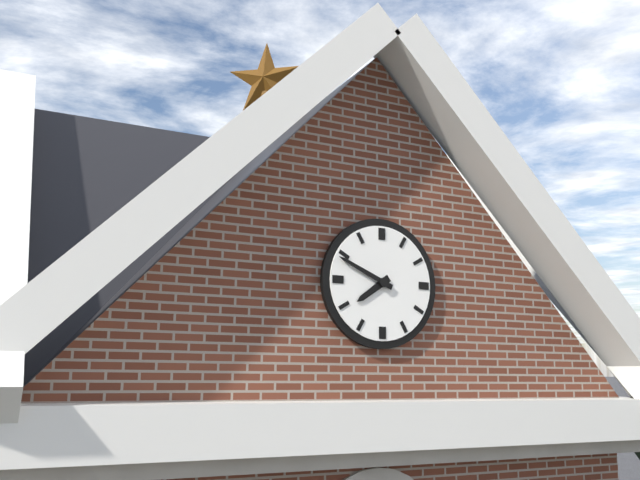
7:49
